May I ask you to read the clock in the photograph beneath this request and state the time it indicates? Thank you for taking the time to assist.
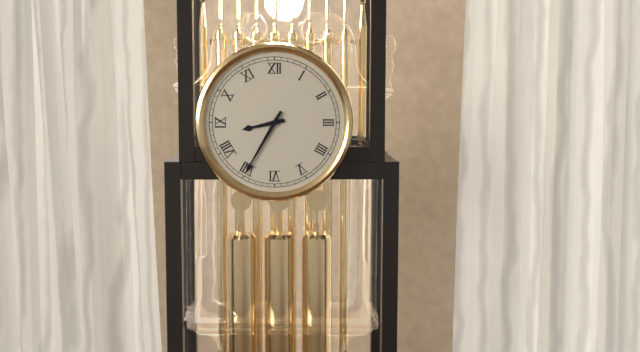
8:35
